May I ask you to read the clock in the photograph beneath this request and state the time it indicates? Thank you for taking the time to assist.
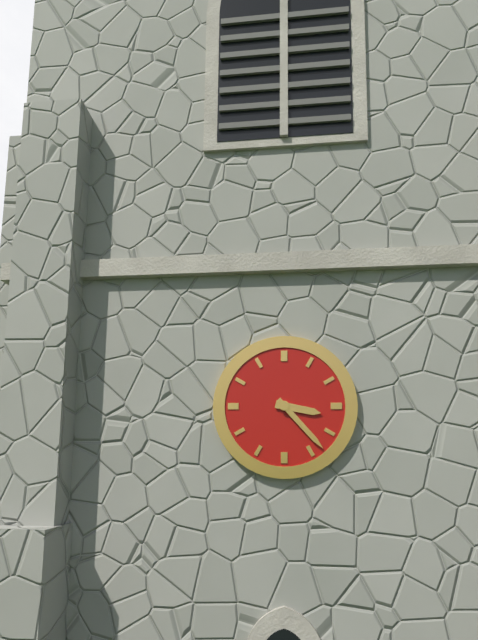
3:23
